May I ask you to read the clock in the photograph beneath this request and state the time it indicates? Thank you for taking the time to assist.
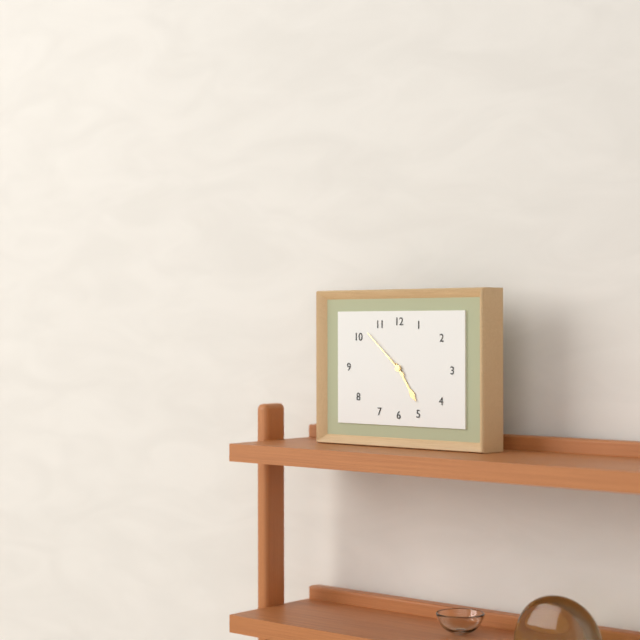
4:52
